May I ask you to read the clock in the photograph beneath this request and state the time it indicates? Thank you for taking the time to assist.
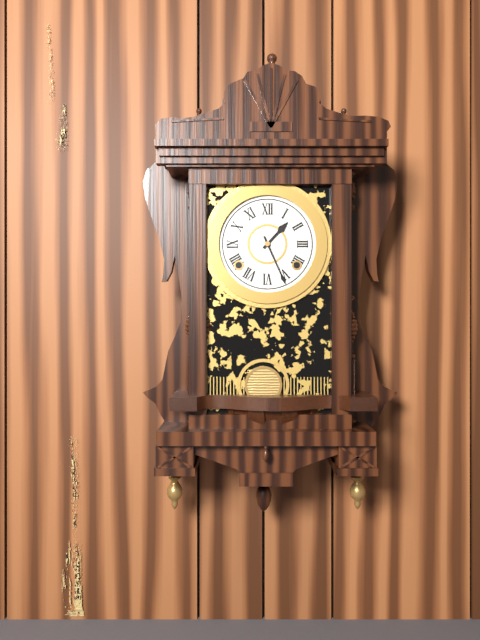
1:26
